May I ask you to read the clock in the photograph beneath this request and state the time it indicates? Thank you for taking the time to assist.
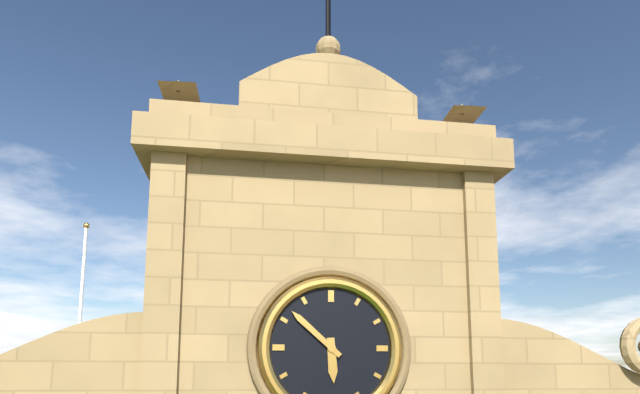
5:52
